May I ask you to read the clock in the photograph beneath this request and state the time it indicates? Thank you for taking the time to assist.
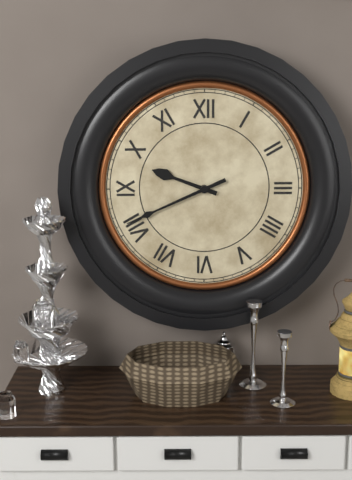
9:41
